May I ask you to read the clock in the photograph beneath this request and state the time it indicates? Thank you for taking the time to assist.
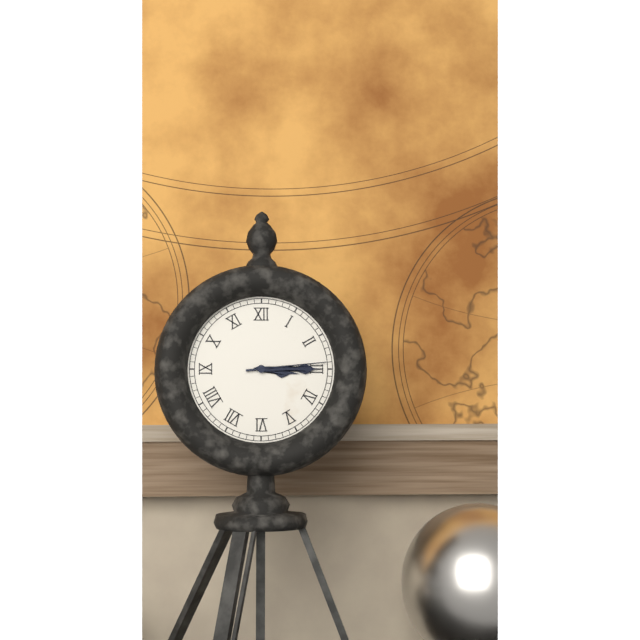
3:15:14
